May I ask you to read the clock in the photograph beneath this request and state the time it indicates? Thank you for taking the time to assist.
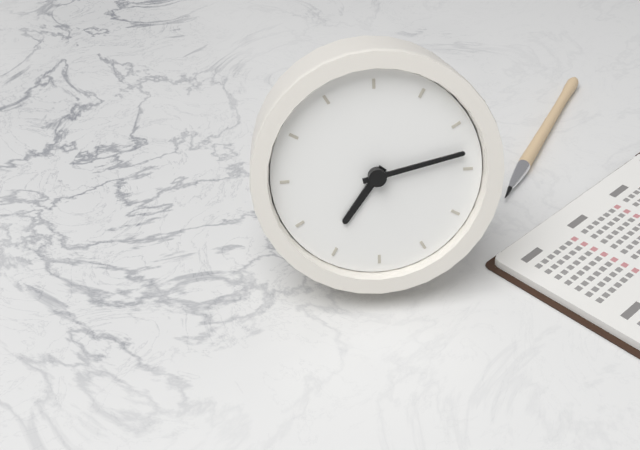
7:13
